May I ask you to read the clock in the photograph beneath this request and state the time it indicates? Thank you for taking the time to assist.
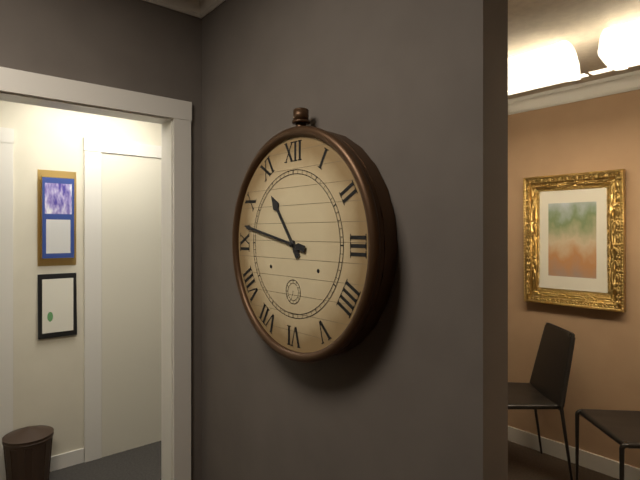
10:47
